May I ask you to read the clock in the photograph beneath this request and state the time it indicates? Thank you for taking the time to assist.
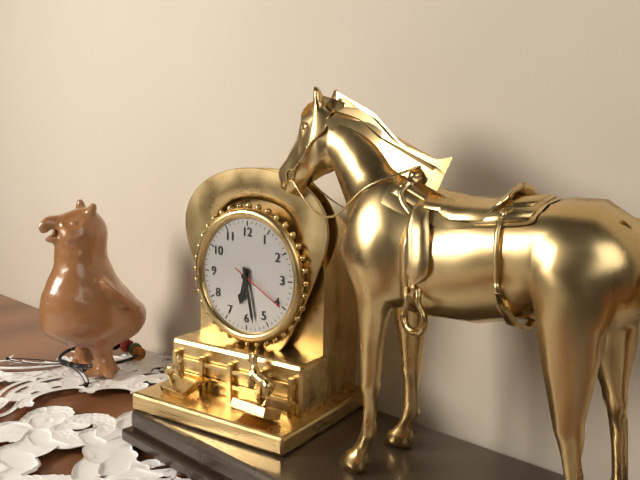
6:28:20
